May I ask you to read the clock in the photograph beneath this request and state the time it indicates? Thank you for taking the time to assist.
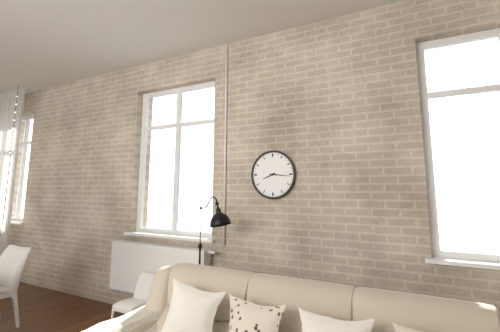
8:16
